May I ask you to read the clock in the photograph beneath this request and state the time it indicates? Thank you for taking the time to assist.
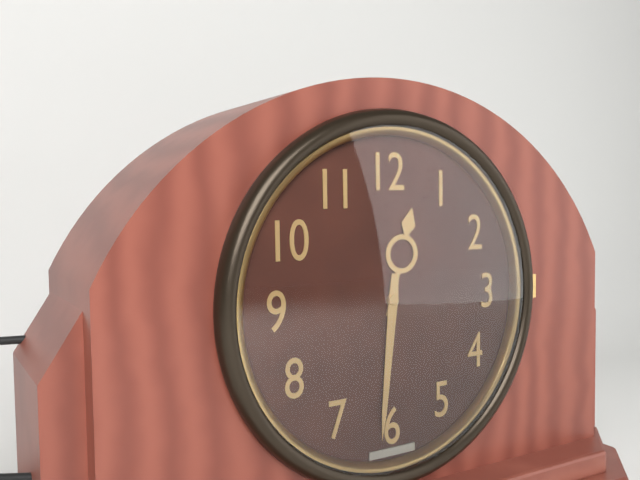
12:31
